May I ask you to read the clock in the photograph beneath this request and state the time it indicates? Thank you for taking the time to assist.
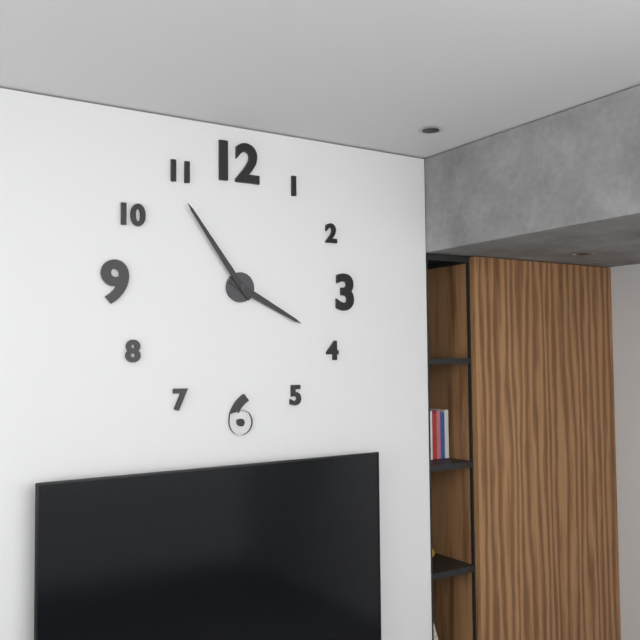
3:54
